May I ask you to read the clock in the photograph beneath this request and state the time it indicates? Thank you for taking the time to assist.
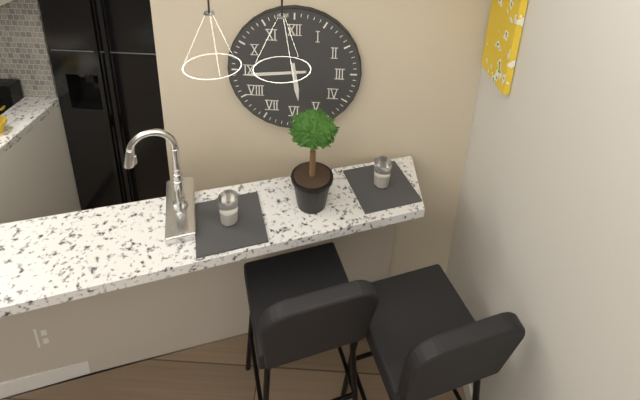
5:44
